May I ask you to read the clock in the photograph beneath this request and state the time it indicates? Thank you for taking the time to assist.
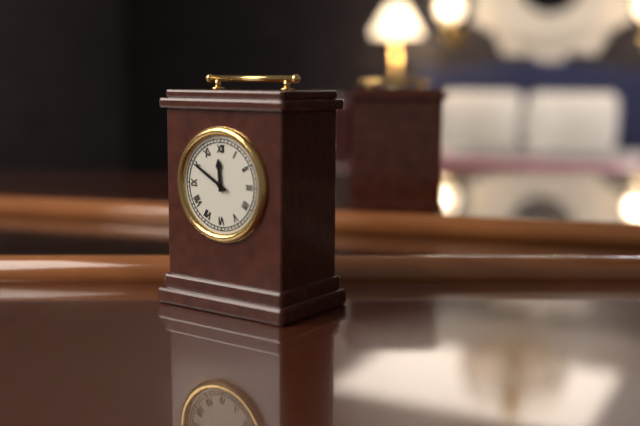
11:50
